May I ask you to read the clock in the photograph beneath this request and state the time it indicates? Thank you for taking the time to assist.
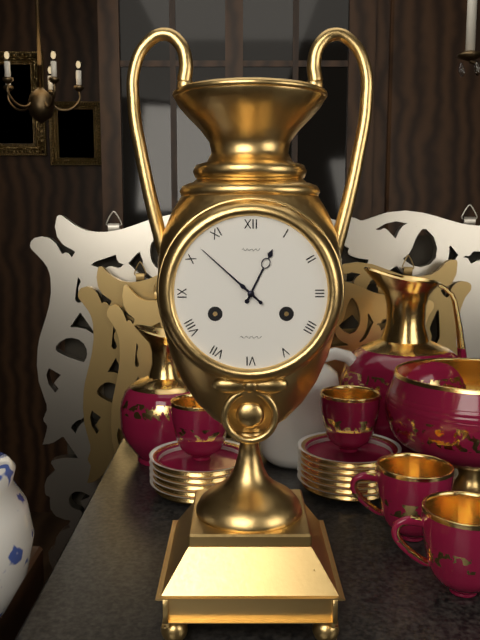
12:52
